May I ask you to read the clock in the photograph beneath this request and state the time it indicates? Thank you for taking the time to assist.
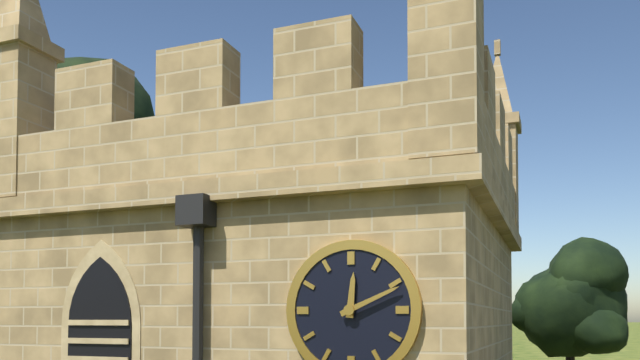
12:11
